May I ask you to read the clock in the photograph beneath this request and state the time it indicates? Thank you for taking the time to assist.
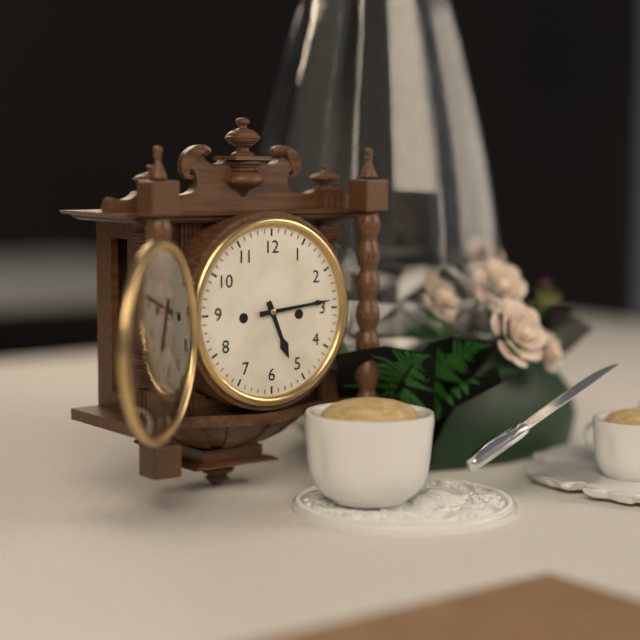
5:14
